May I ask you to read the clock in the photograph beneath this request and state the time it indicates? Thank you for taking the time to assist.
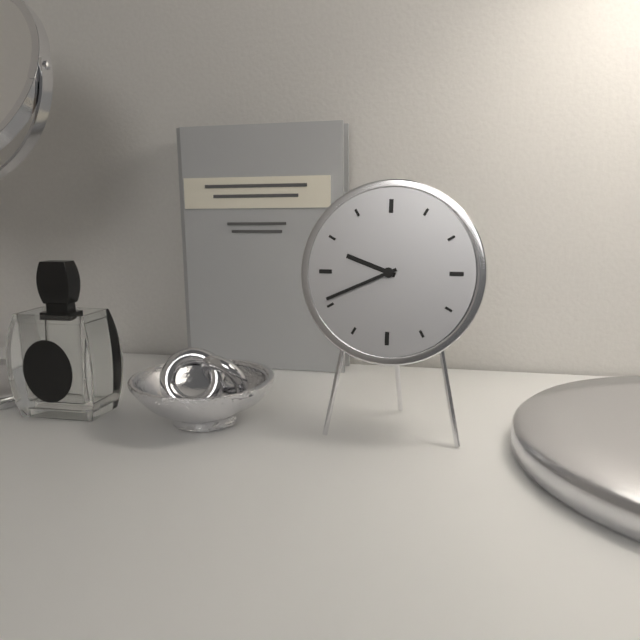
9:41
